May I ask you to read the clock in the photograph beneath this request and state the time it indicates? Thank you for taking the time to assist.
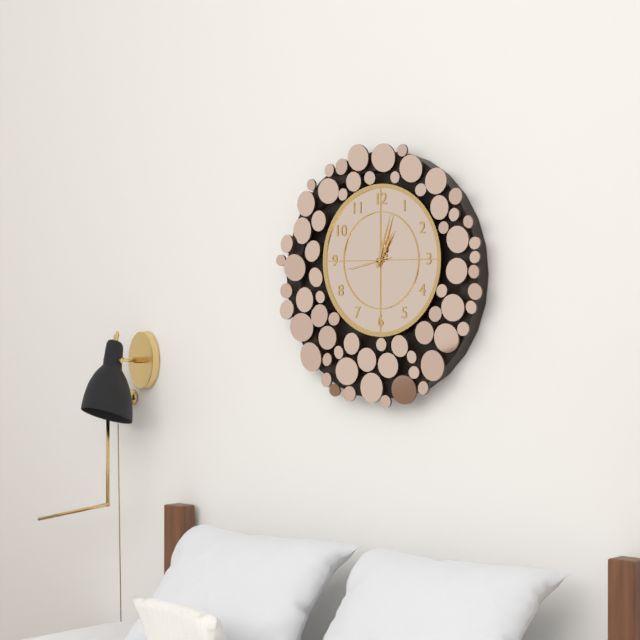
1:03
